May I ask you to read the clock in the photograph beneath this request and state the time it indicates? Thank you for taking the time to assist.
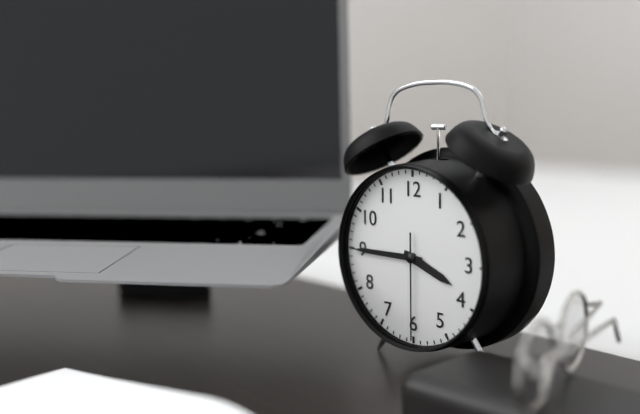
3:45:30
